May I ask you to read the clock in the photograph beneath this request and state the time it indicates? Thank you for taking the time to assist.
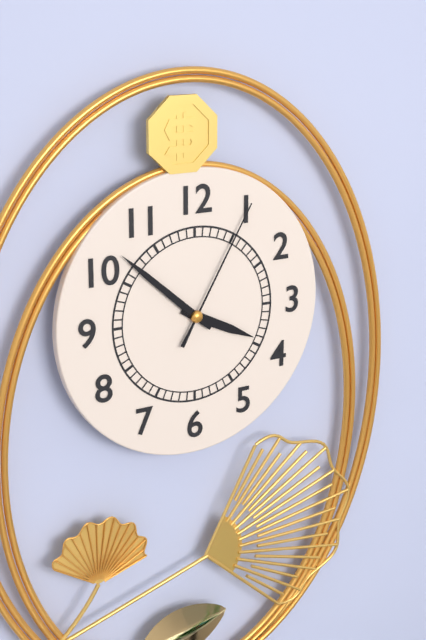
3:52:05
